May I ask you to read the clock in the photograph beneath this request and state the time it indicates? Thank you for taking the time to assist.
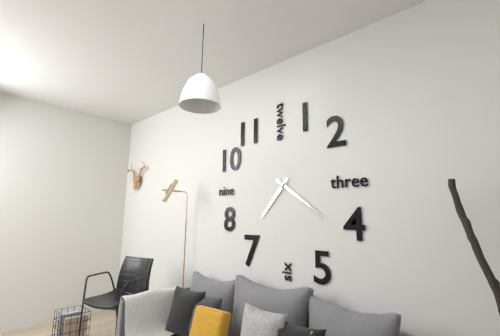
7:21
